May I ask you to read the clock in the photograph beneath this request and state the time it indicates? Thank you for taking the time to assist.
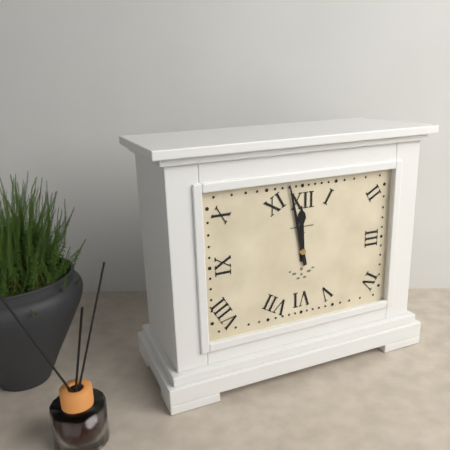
11:58
